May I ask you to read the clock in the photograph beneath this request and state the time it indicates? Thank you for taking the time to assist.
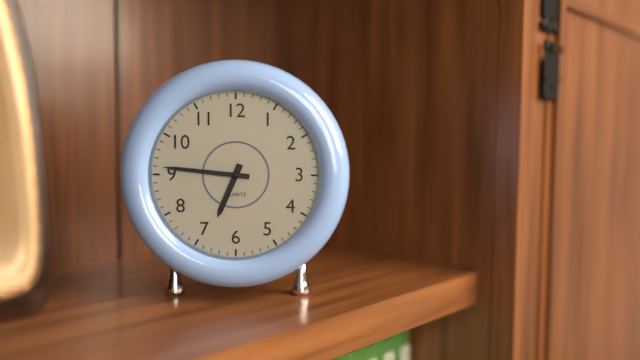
6:46
